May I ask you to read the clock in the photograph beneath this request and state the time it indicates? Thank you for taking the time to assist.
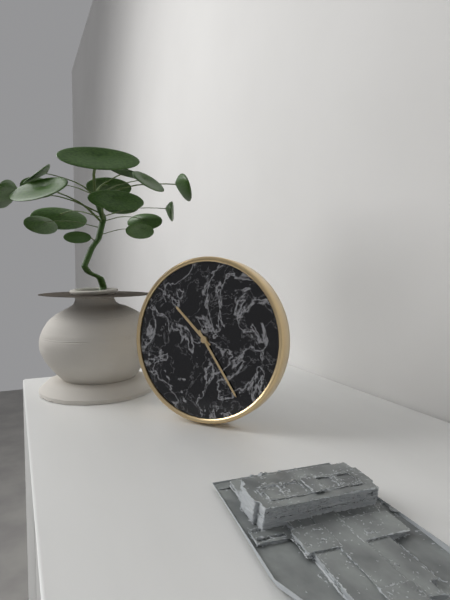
10:24
